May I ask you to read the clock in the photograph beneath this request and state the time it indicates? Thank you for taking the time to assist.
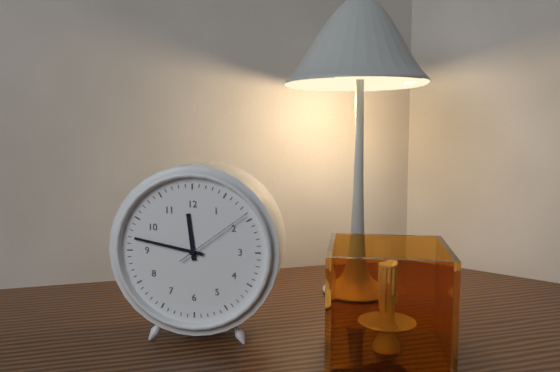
11:47:09
